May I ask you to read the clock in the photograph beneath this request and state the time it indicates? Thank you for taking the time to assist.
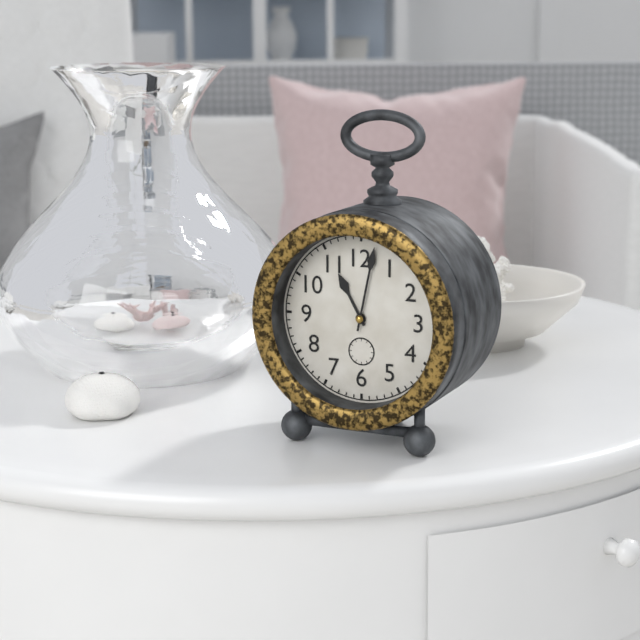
11:02
